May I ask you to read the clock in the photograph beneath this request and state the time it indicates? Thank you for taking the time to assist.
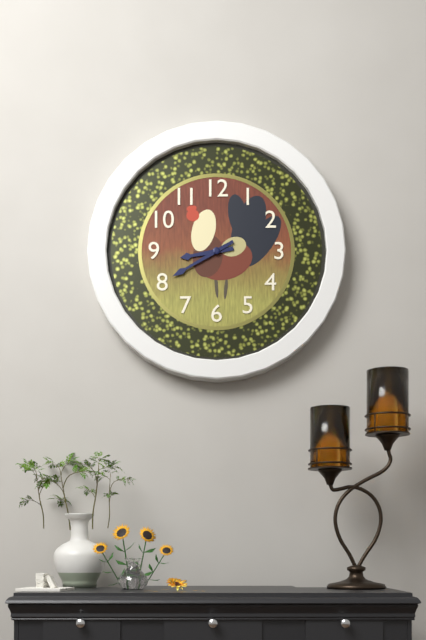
8:40
